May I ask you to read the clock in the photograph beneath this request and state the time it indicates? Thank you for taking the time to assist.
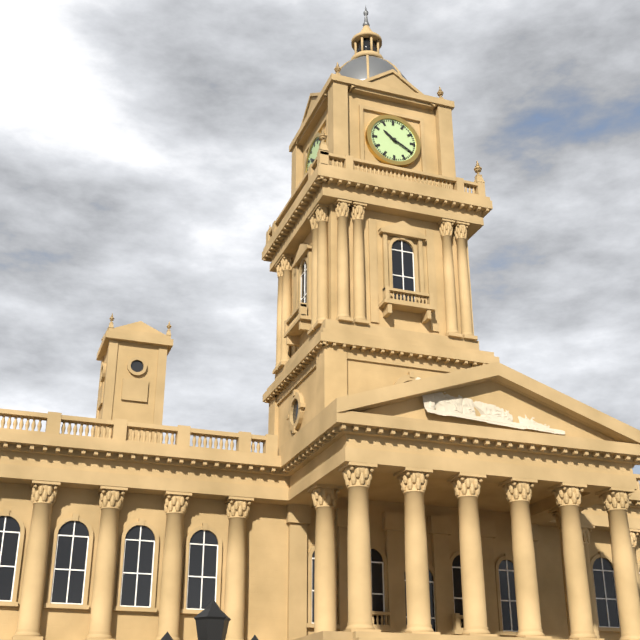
10:20
